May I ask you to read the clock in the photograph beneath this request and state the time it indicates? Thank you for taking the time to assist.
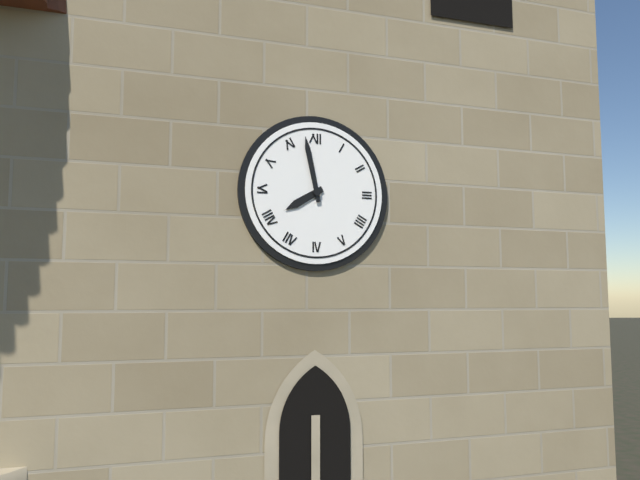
7:58
